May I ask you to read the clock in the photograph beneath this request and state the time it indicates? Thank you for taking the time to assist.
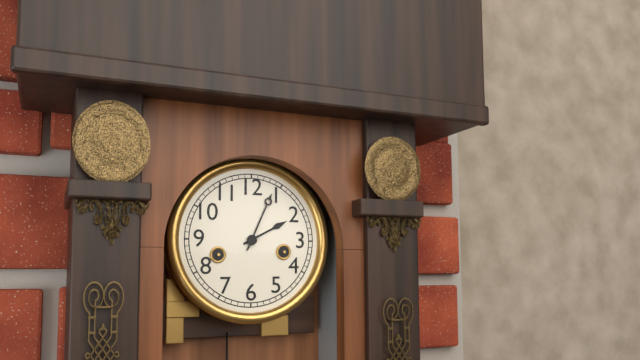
2:04
